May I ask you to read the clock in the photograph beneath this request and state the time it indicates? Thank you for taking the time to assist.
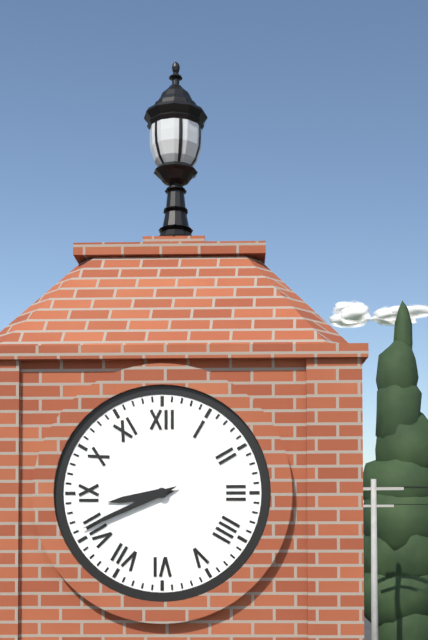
8:41
